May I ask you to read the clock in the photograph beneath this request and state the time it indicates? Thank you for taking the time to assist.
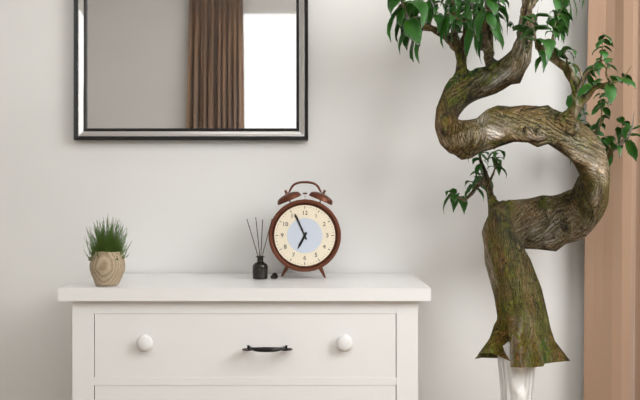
6:56
